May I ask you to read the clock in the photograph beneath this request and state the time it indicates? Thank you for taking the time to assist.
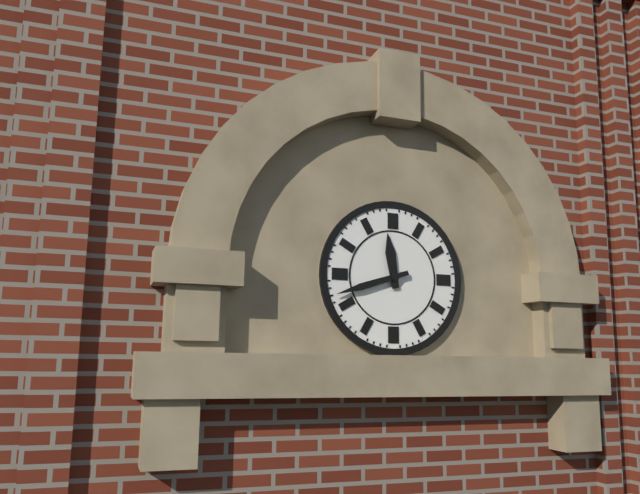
11:42
